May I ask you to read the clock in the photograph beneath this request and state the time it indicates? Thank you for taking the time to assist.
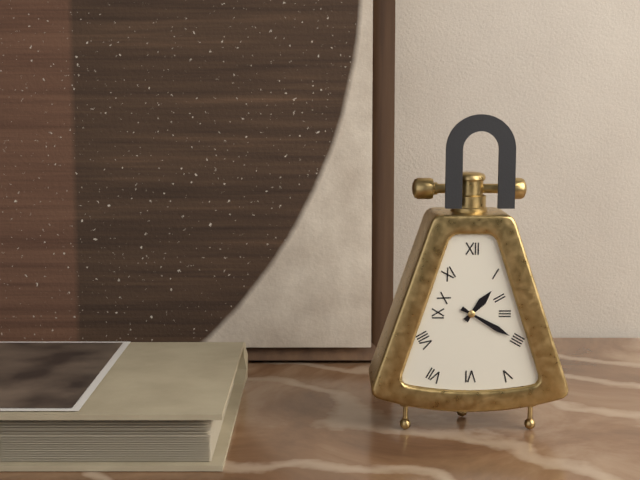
1:20
